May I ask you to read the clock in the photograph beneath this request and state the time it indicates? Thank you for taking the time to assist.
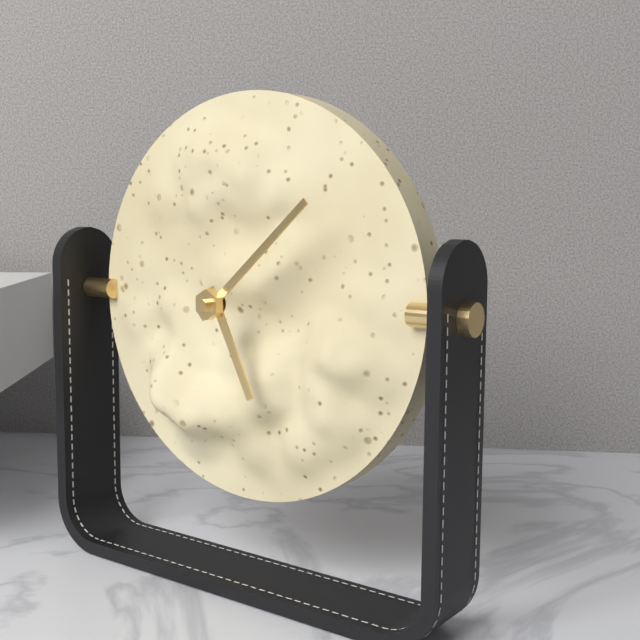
5:08
